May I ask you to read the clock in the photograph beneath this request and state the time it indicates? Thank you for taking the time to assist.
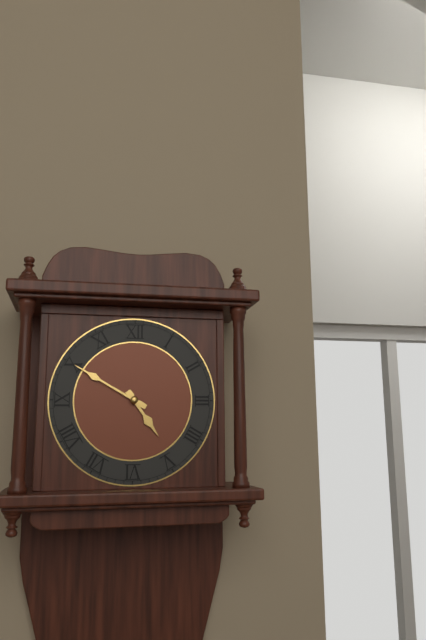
4:50
